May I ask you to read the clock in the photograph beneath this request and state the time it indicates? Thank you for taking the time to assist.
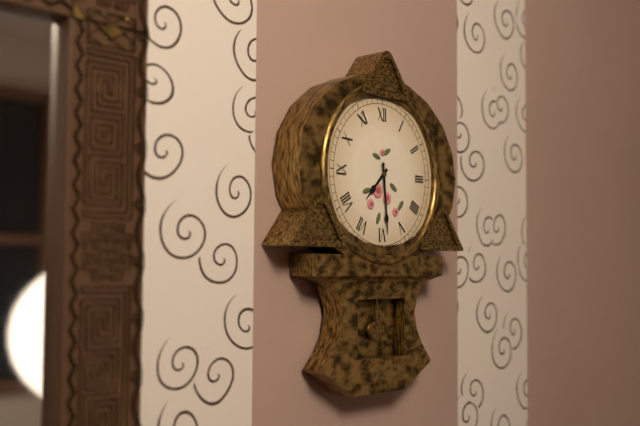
7:29
